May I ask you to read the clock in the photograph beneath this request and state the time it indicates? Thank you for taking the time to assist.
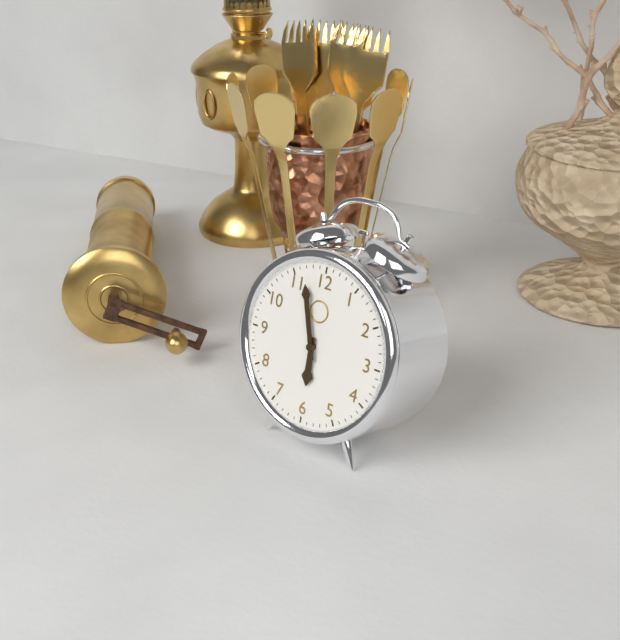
5:57
